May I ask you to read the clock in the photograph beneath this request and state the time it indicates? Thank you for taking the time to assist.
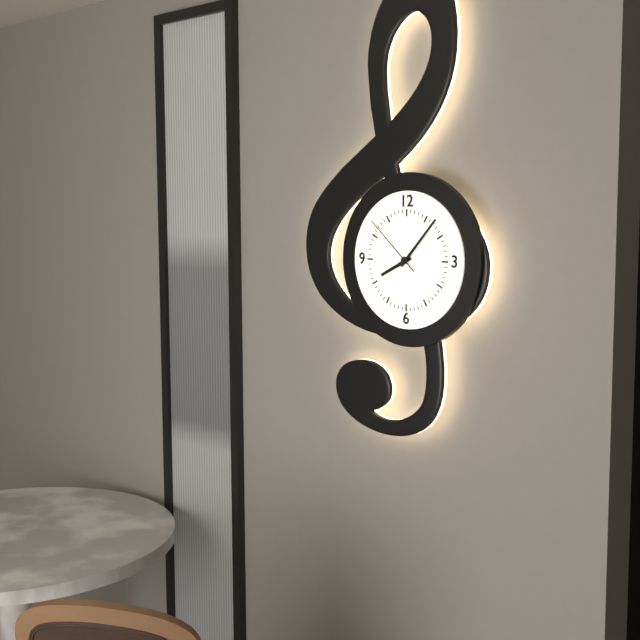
8:07:52
